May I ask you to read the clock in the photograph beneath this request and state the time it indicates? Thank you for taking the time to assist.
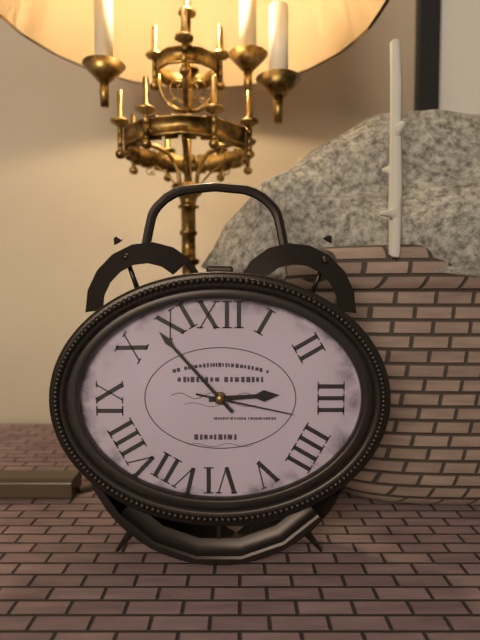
2:53:17
